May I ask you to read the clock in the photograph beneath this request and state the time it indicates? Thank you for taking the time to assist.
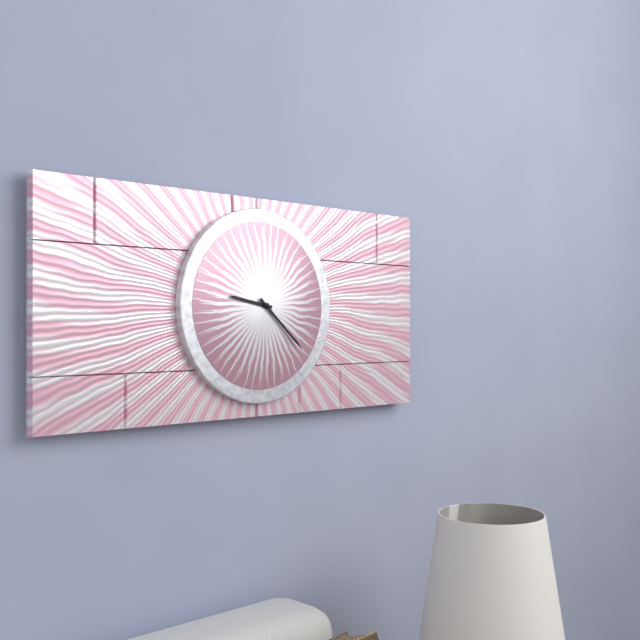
9:22
